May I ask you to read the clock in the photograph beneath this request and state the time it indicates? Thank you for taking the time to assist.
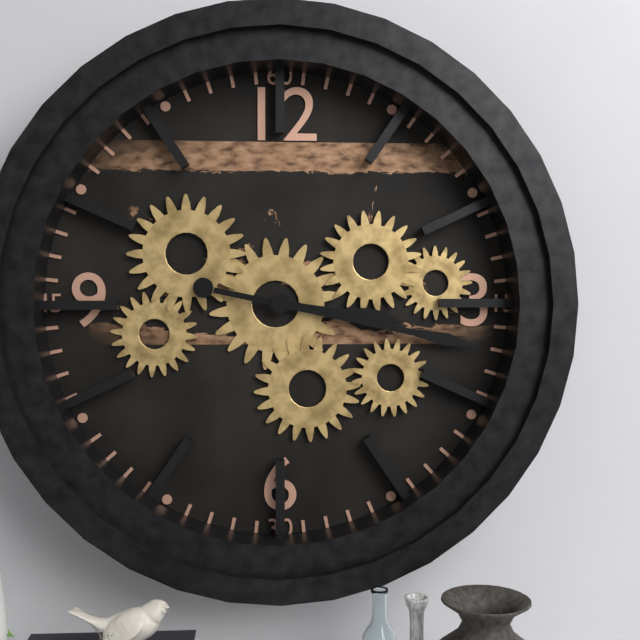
3:17
